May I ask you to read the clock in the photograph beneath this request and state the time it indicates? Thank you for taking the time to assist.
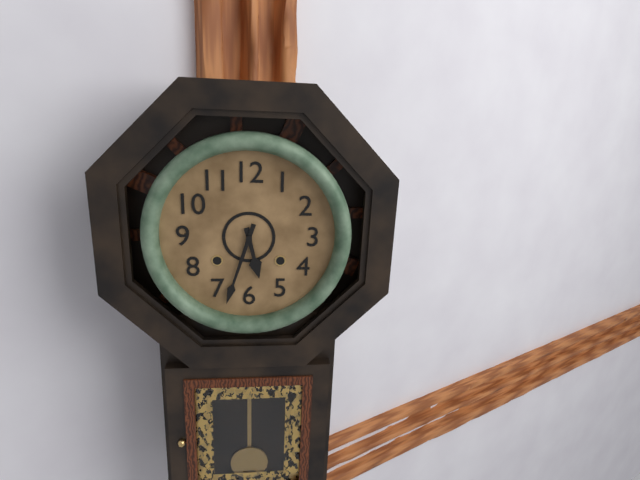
5:33
